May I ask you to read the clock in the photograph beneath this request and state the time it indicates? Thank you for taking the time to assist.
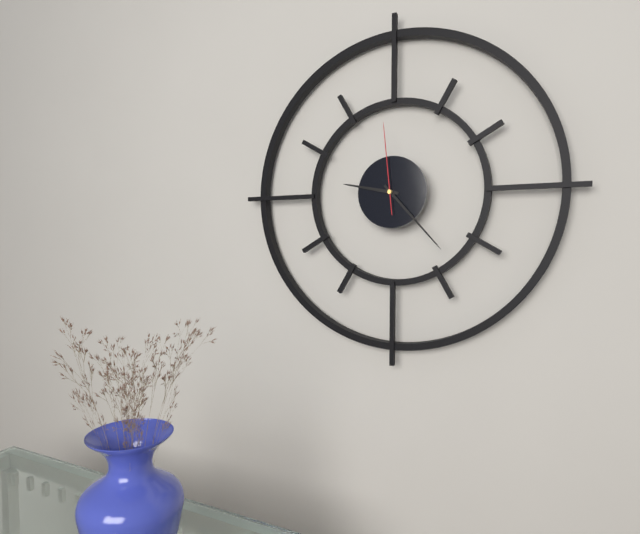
9:23:59
